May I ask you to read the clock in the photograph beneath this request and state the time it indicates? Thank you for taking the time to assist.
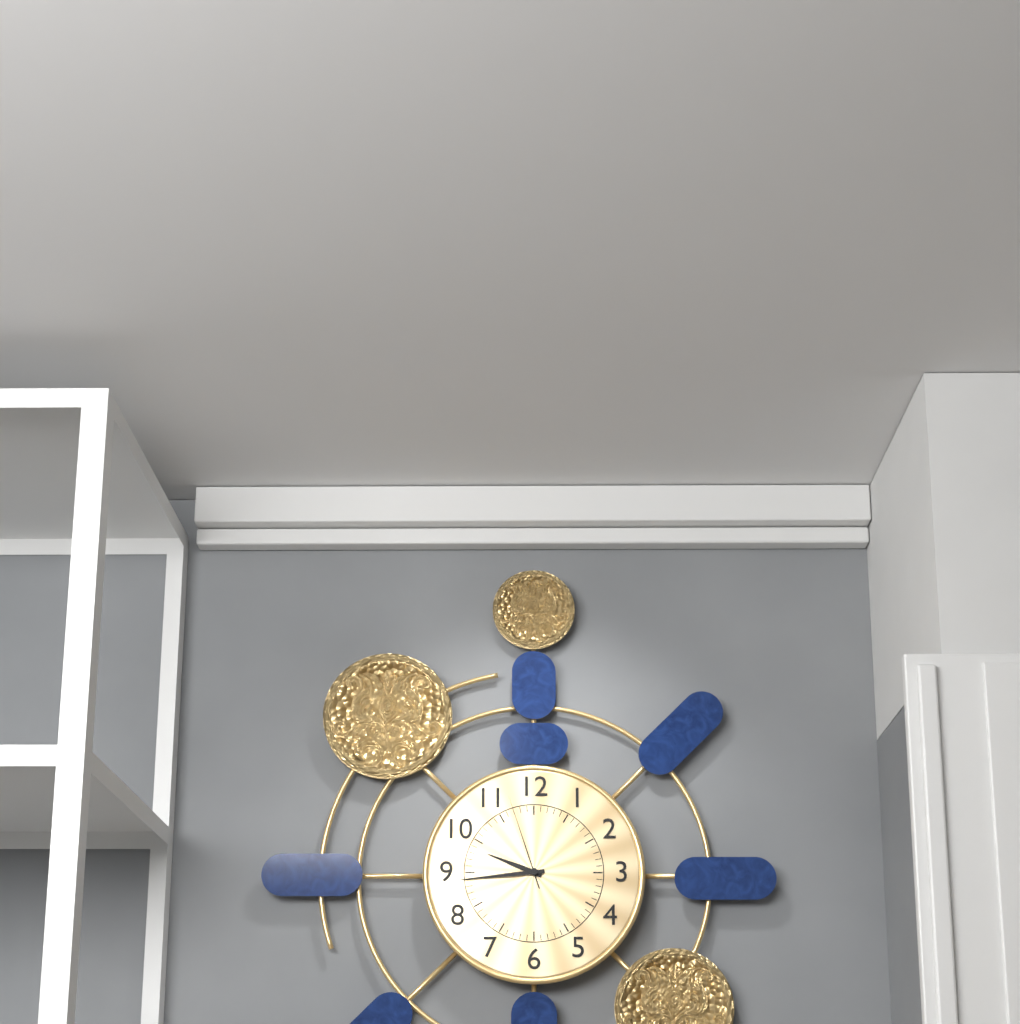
9:44:57
